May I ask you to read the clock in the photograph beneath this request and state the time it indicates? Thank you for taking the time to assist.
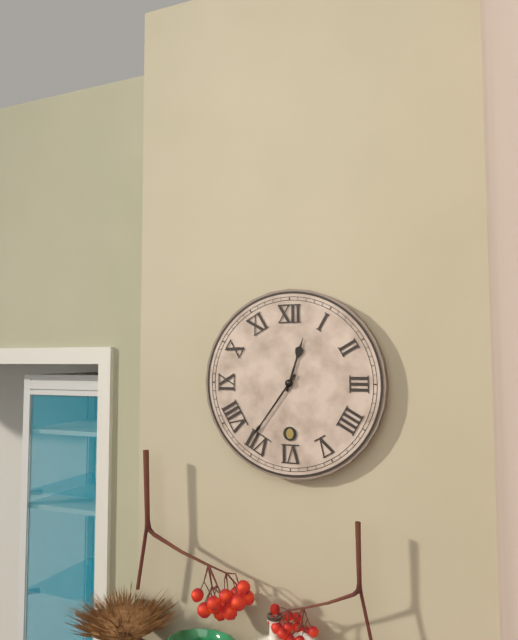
12:36
